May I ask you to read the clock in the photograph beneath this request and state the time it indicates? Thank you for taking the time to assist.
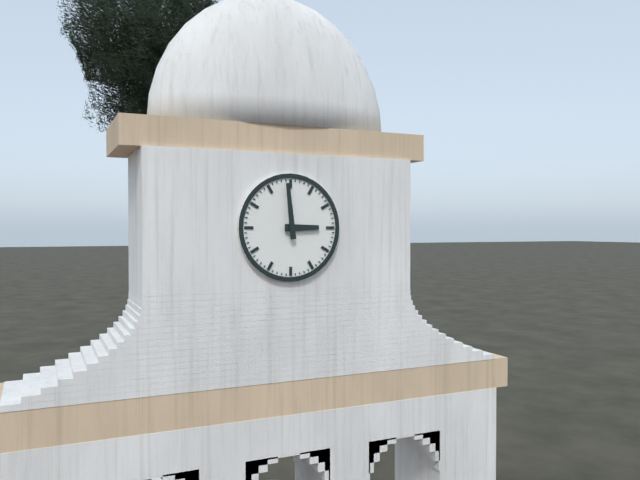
2:59
